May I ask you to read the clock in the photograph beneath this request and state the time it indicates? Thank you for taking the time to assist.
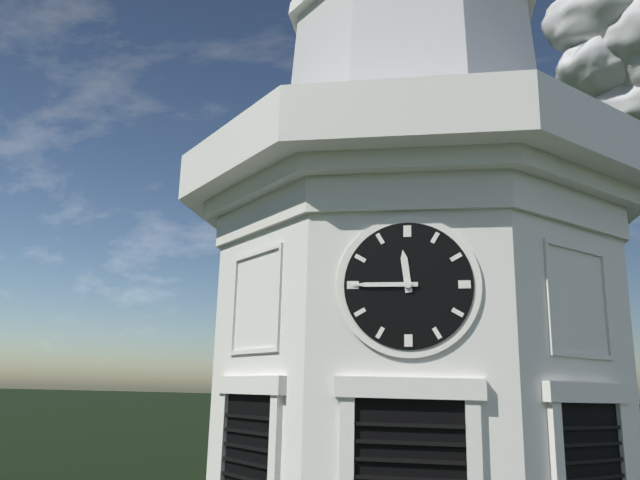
11:45
